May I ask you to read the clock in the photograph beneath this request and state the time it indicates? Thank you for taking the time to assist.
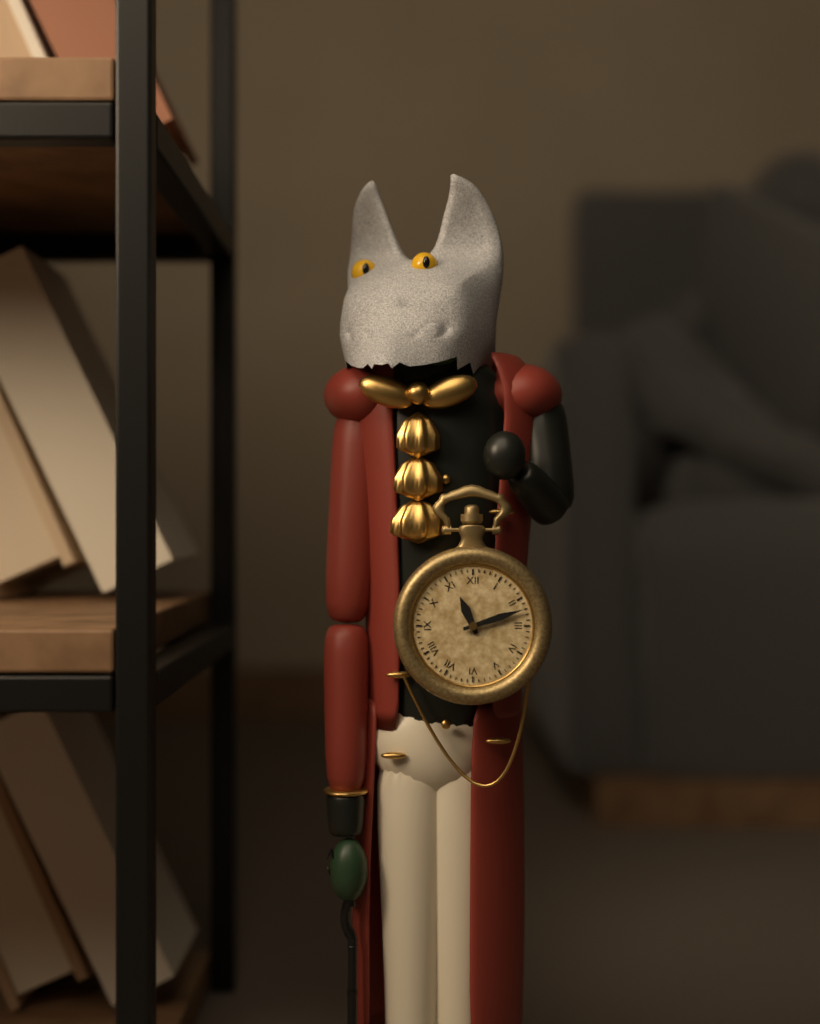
11:12
